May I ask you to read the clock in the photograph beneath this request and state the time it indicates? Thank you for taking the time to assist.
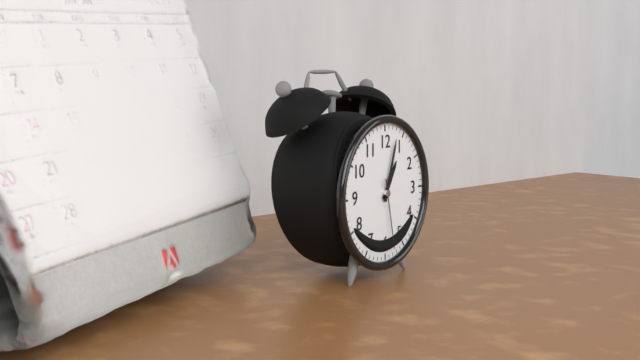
1:03:28
